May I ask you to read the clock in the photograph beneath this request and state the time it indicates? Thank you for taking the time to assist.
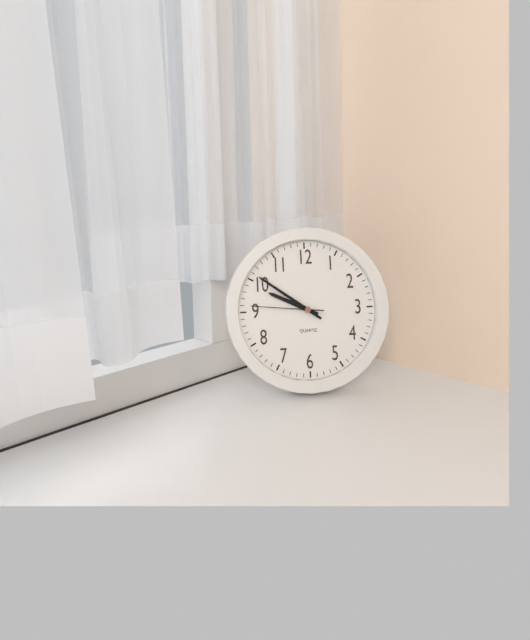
9:51:46
